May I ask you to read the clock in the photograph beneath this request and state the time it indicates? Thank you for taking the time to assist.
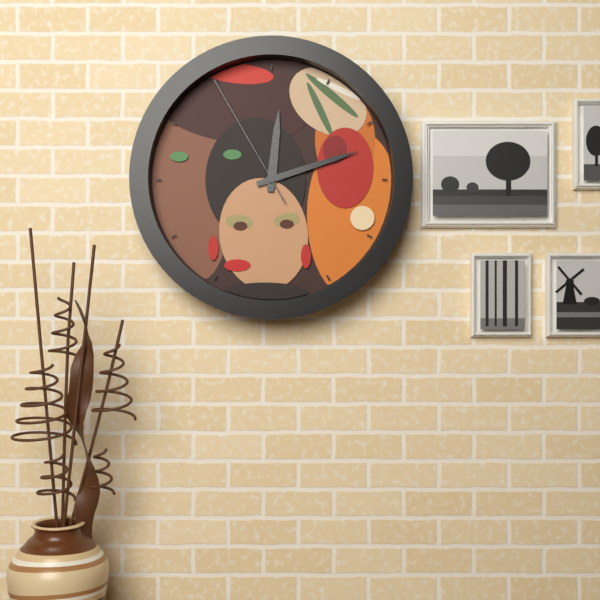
12:12:55
